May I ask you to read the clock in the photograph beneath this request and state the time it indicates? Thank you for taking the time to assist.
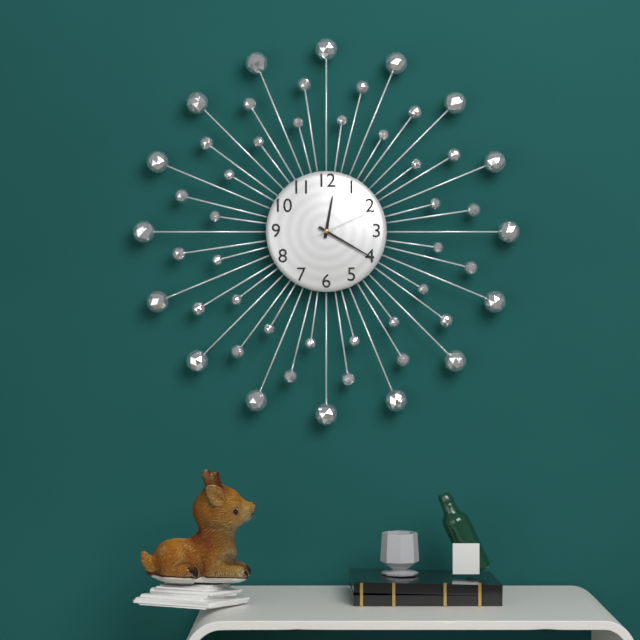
12:20:11
